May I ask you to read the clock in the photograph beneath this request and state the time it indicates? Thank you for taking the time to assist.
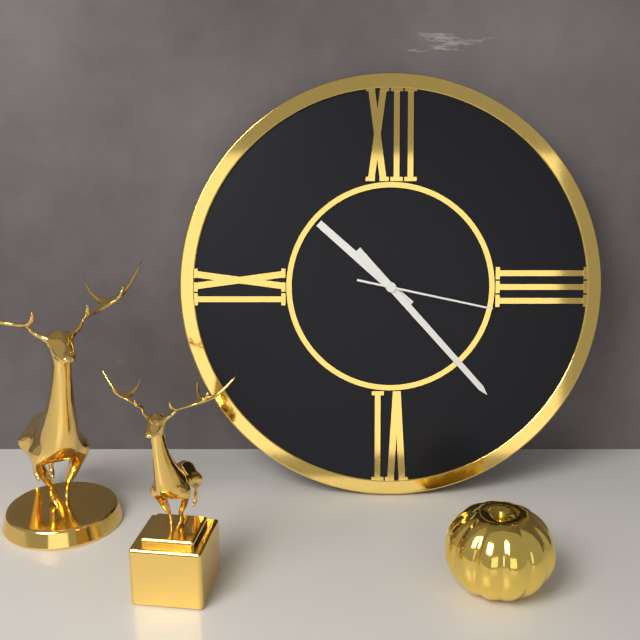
10:23:17
